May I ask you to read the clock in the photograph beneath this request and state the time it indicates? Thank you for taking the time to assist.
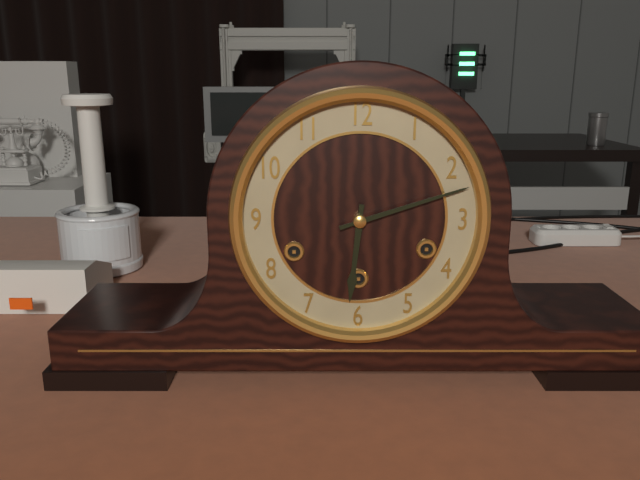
6:12
